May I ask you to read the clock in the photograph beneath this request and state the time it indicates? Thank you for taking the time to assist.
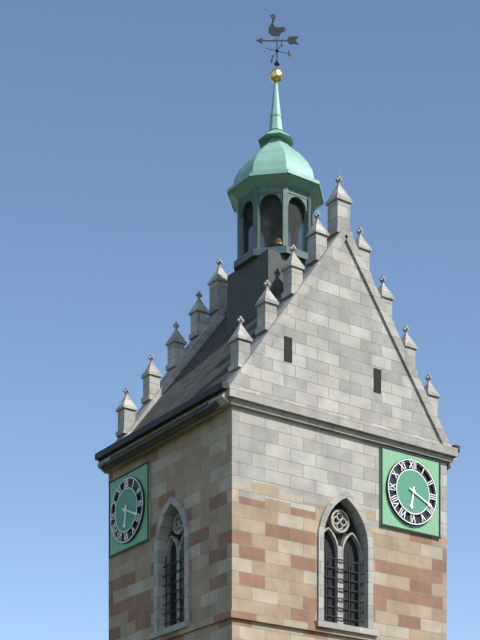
6:19
